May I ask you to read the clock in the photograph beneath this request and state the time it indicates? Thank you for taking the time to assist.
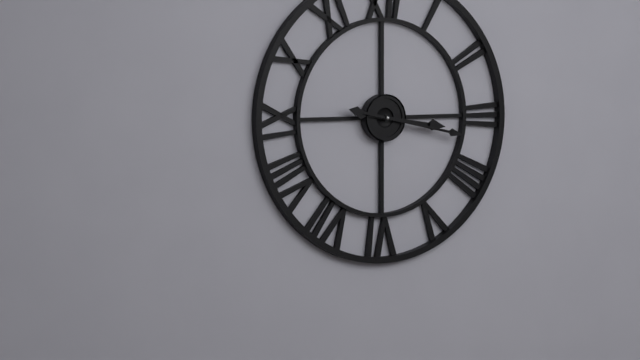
3:17
